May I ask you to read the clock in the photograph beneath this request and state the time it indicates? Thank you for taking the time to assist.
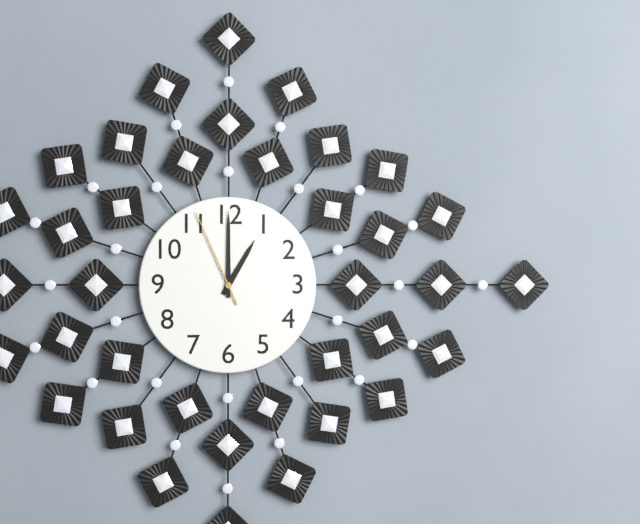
1:00:56
